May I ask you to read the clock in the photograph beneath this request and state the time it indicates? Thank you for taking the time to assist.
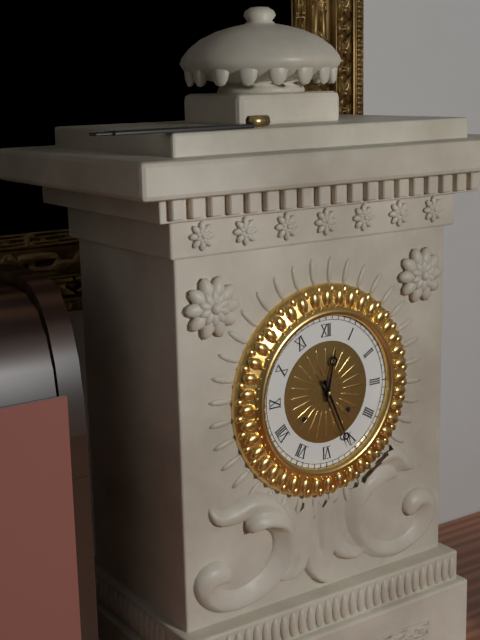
12:26
